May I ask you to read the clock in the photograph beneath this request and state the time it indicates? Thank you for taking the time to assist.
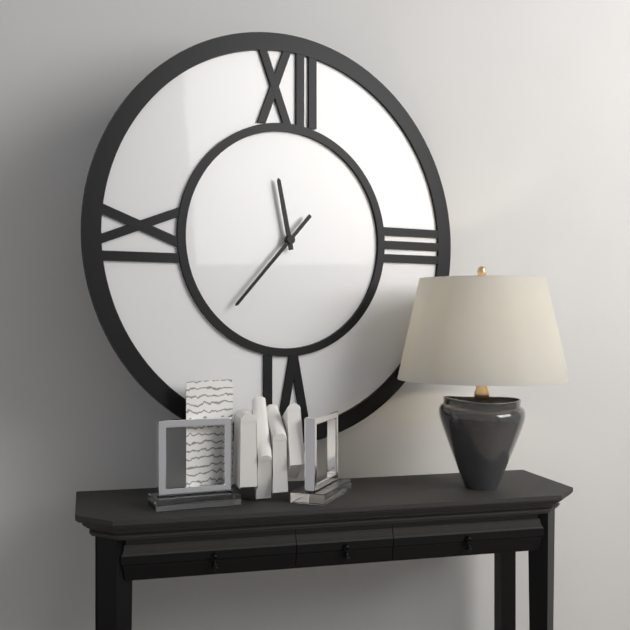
11:37
